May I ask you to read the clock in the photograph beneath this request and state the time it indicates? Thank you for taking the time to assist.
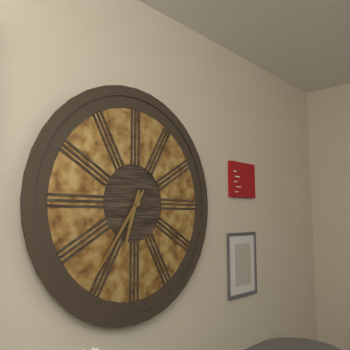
6:36
